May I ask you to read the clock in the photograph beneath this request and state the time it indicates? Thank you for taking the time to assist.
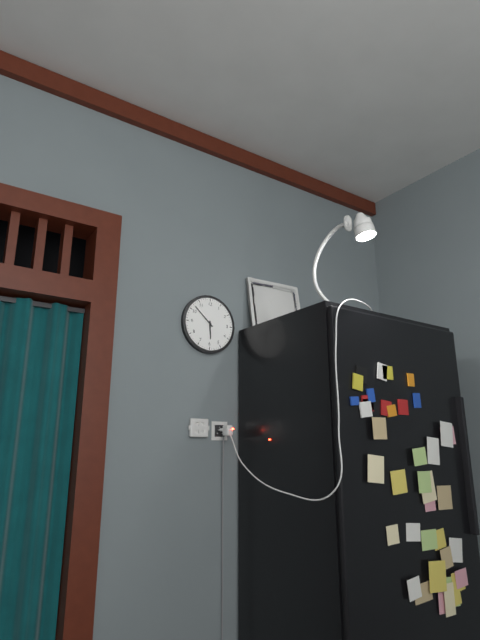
5:52
